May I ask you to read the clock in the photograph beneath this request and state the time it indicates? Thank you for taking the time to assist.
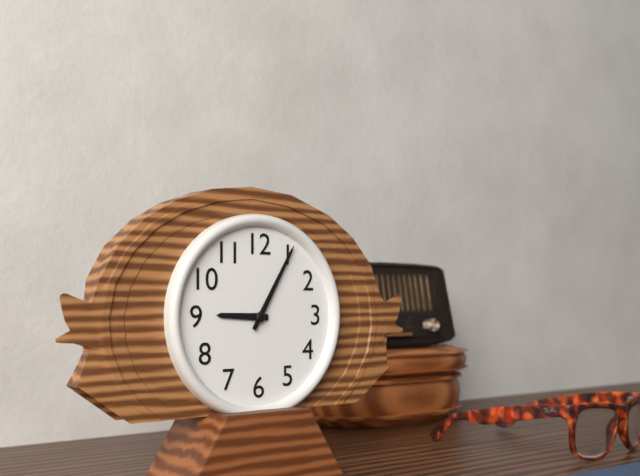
9:05
